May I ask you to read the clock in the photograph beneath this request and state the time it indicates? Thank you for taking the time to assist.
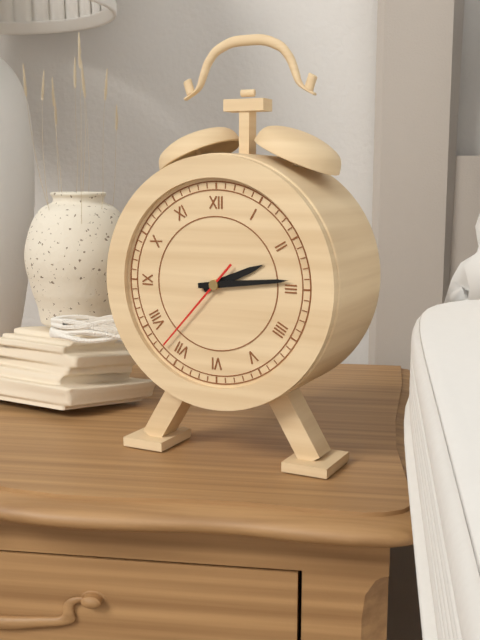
2:14:37
